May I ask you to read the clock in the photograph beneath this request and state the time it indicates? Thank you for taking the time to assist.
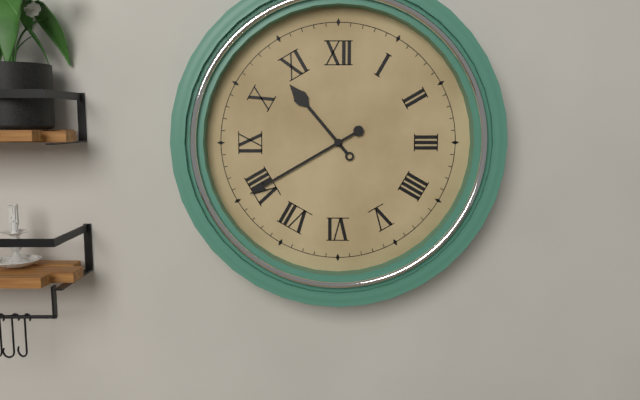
10:40
